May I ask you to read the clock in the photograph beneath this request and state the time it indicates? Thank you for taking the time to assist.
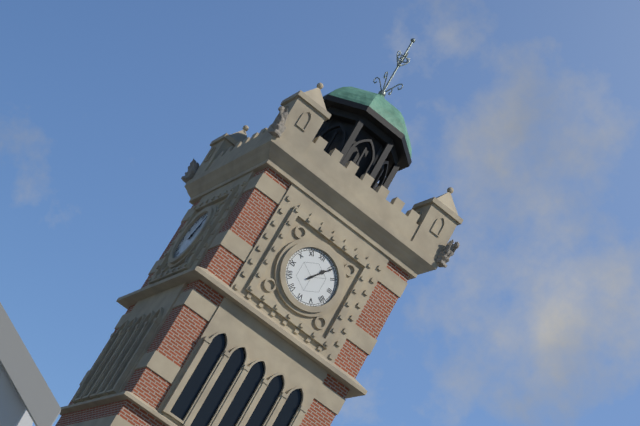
1:06
